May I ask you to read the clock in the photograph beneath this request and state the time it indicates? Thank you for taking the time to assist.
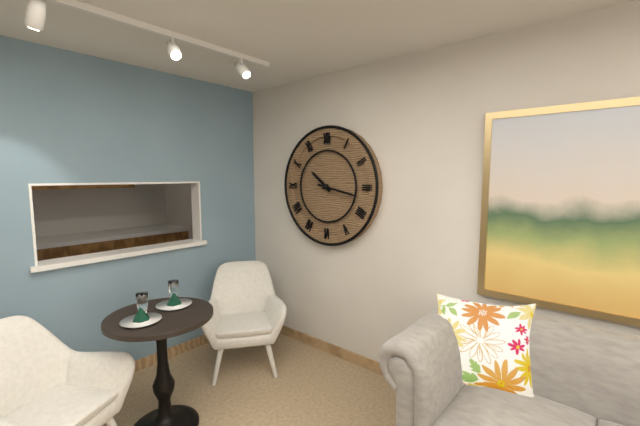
10:17
